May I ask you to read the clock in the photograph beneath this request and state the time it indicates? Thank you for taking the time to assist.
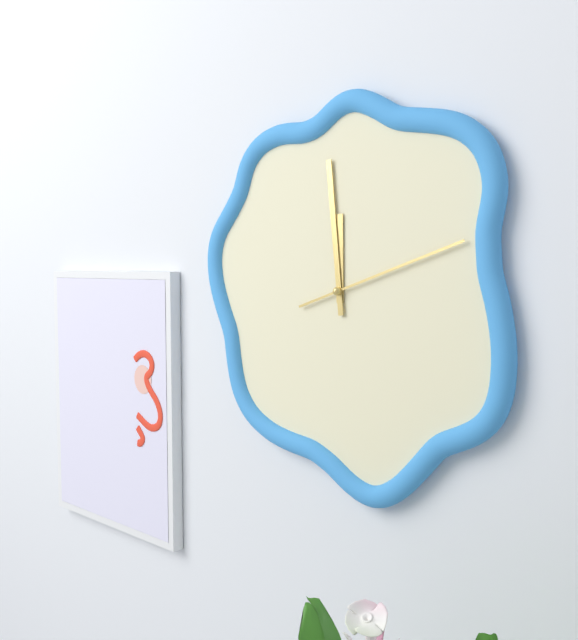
11:59:12
